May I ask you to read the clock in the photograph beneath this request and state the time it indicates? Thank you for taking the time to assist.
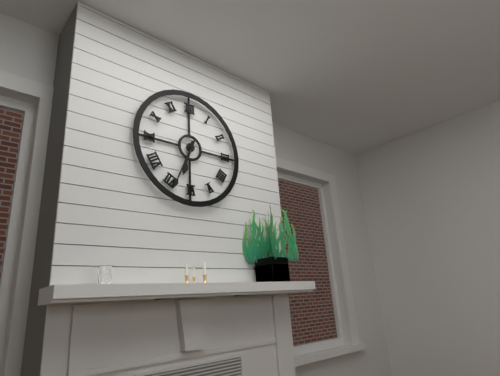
6:34
